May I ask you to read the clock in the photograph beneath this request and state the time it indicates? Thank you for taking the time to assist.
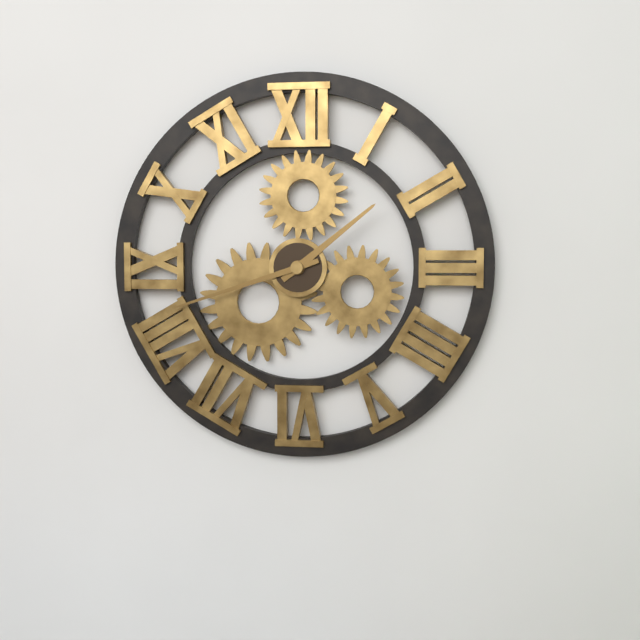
1:42
